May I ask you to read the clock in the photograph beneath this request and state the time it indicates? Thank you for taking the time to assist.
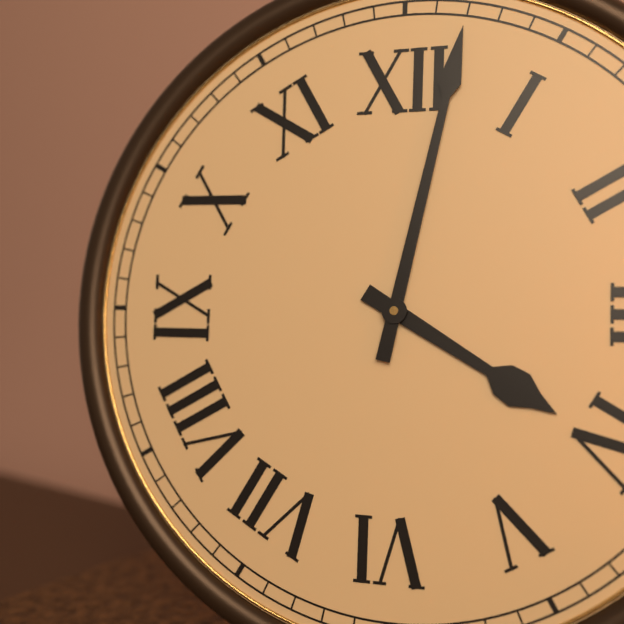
4:02
